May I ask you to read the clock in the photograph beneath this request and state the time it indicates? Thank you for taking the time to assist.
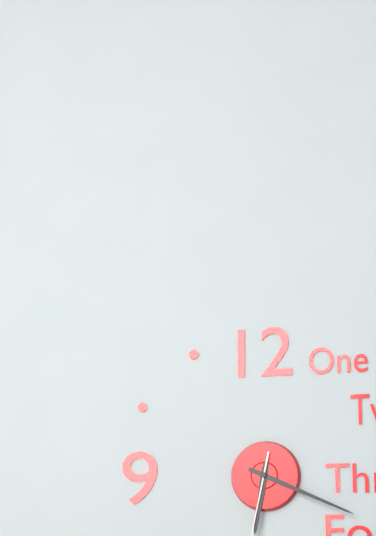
6:19
